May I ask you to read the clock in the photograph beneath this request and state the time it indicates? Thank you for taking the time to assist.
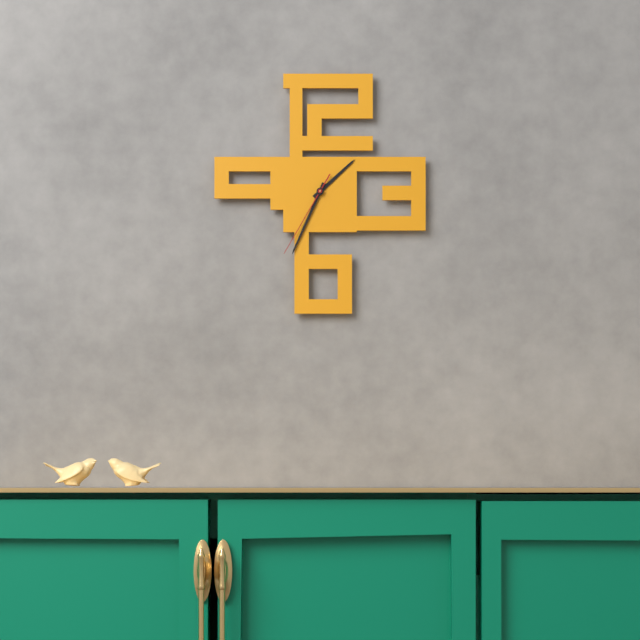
1:34:35
